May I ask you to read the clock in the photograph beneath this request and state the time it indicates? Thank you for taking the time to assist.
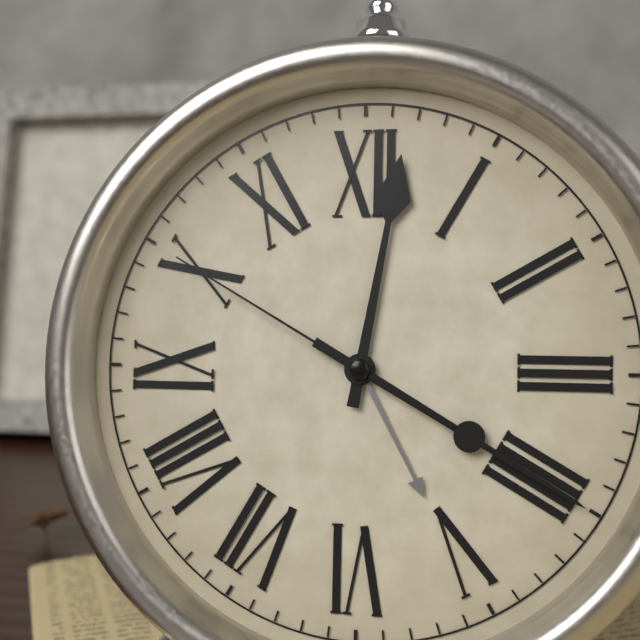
12:20:50
